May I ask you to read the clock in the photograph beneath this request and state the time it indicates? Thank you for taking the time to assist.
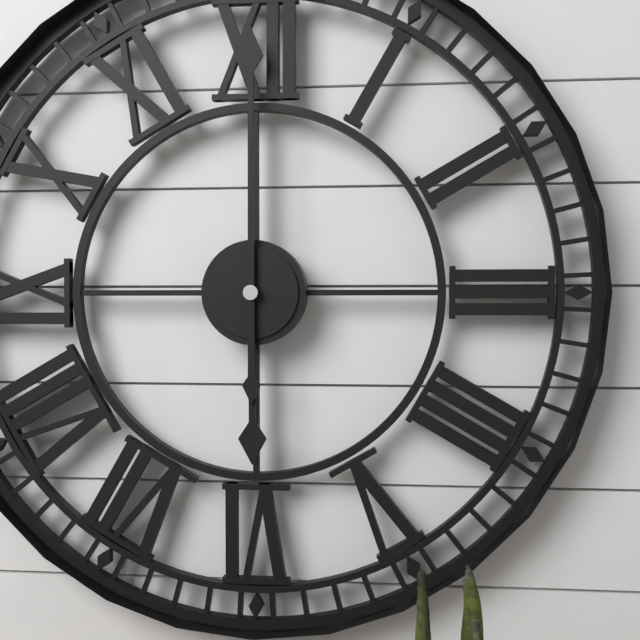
6:00
